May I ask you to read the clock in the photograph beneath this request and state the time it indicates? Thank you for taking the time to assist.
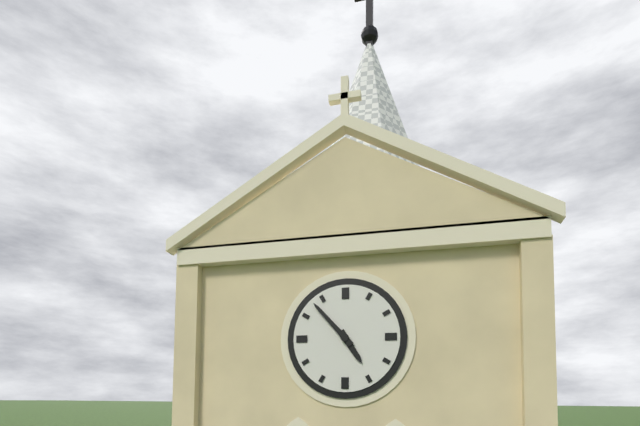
4:53
